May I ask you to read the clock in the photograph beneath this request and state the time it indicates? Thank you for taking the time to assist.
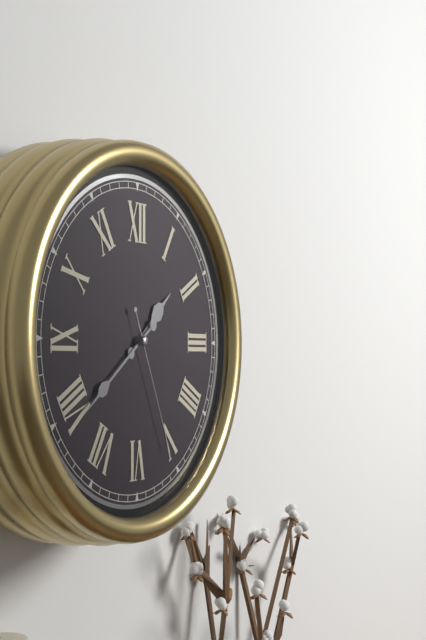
1:39:26
